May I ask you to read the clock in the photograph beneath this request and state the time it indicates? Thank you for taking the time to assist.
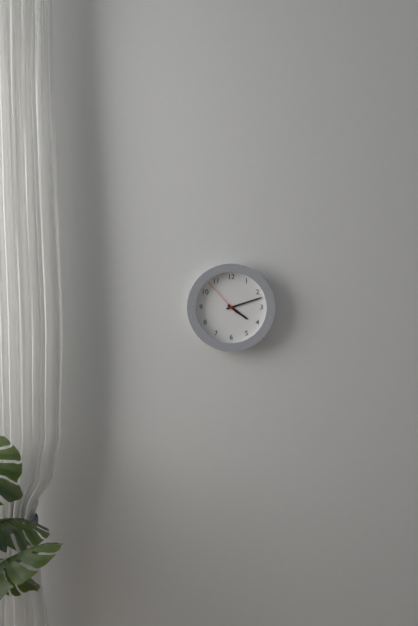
4:12
